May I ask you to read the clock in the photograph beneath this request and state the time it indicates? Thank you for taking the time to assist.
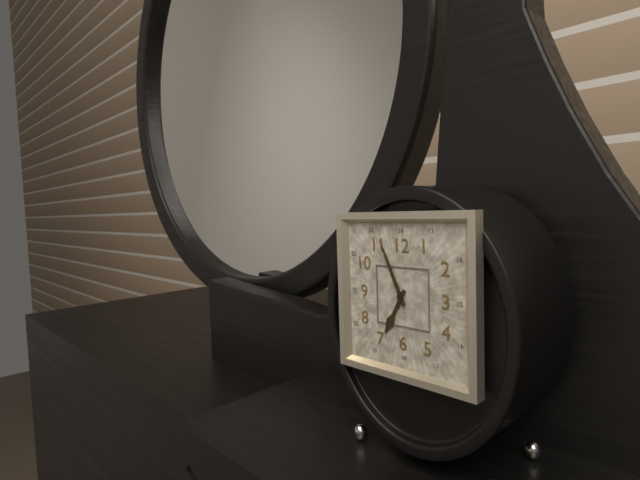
6:56
